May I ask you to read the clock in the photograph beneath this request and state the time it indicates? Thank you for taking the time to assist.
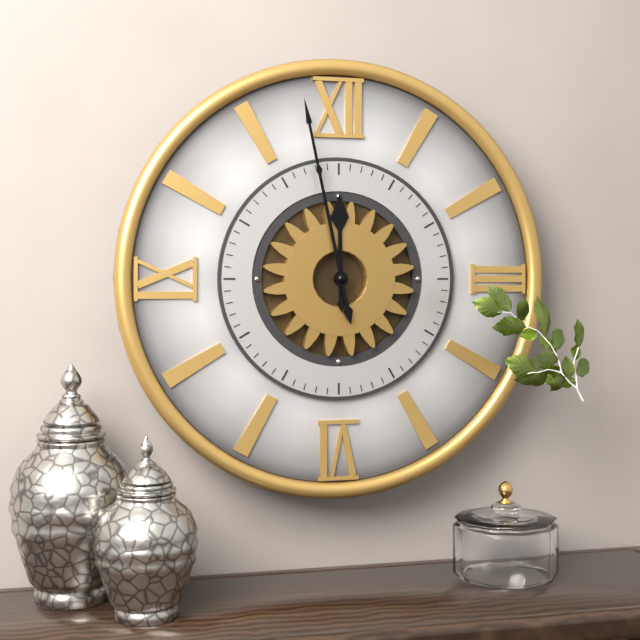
11:58
